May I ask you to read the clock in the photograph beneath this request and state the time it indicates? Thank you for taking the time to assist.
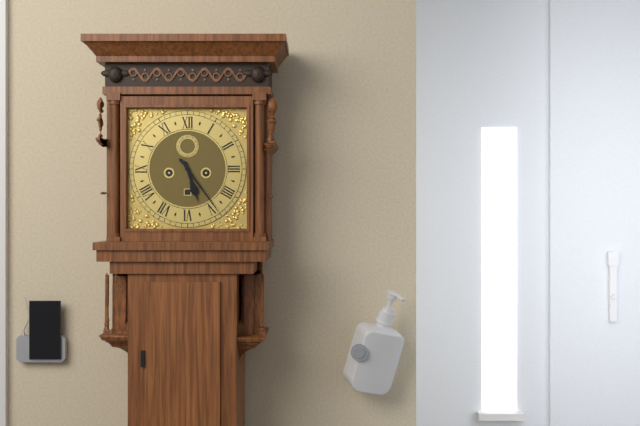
5:24
